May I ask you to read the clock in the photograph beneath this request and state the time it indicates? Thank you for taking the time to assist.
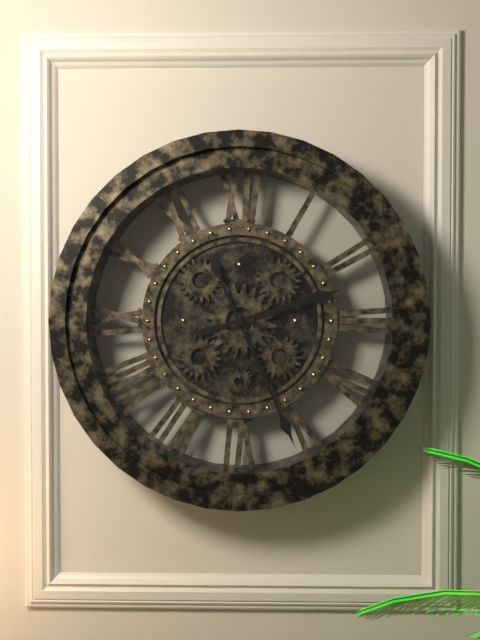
2:26
